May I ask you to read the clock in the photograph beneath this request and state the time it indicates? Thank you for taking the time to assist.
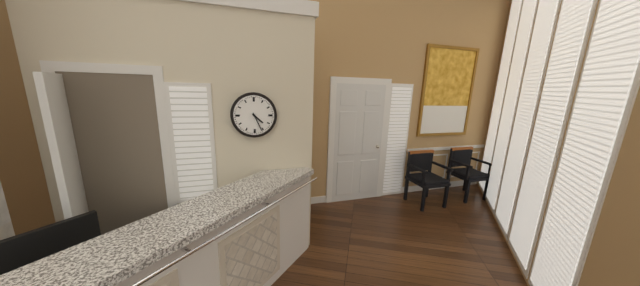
4:26
